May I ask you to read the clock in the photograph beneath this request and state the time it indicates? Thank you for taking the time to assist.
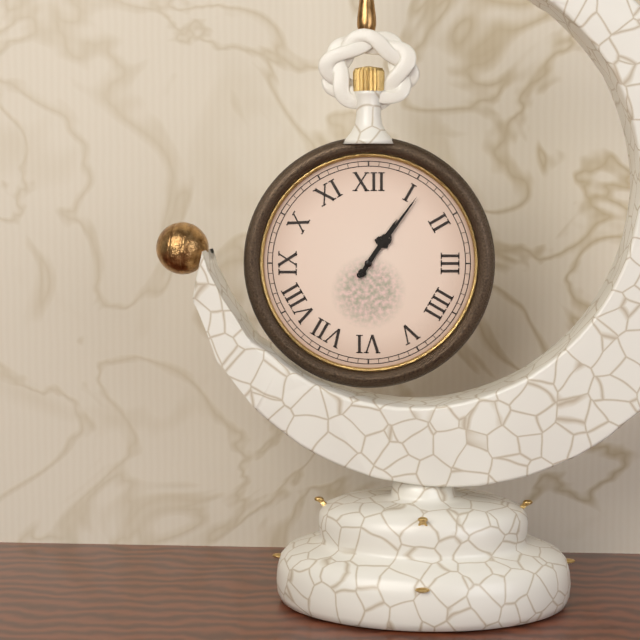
1:06
